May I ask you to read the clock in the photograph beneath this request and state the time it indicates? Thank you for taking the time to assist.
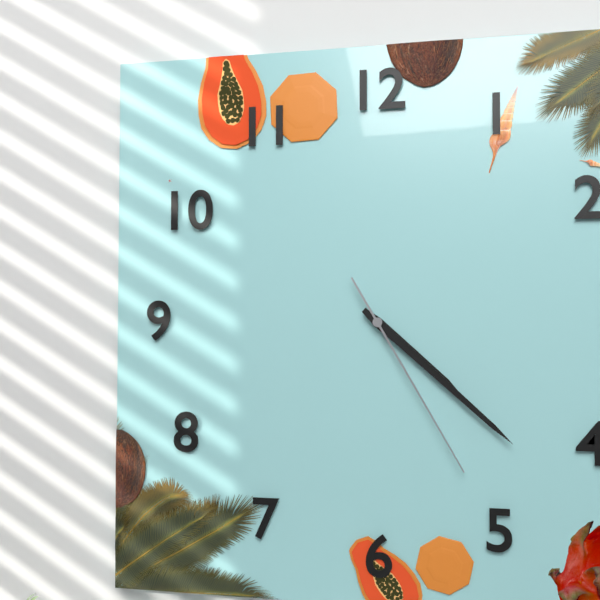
4:22:25
